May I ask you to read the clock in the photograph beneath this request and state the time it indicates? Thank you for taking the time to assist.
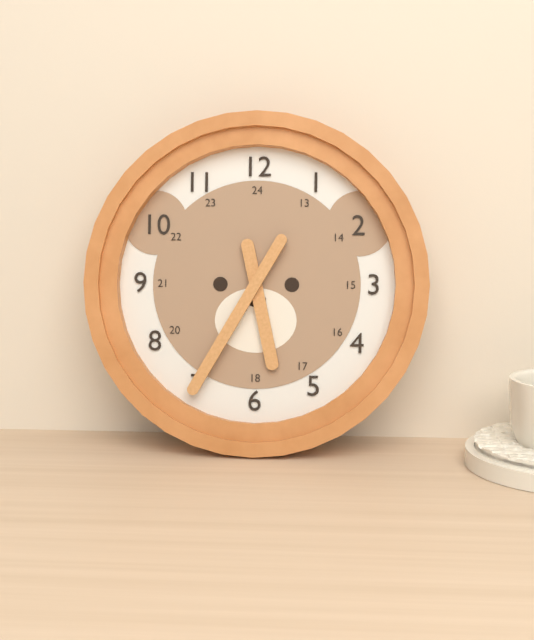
5:35
